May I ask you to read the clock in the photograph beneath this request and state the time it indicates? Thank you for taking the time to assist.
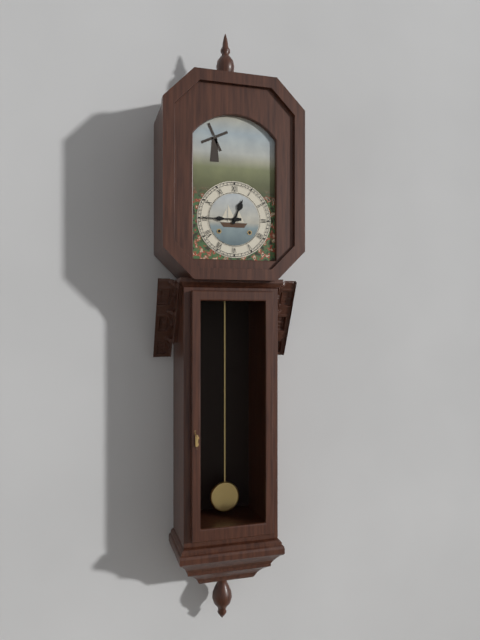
12:45
